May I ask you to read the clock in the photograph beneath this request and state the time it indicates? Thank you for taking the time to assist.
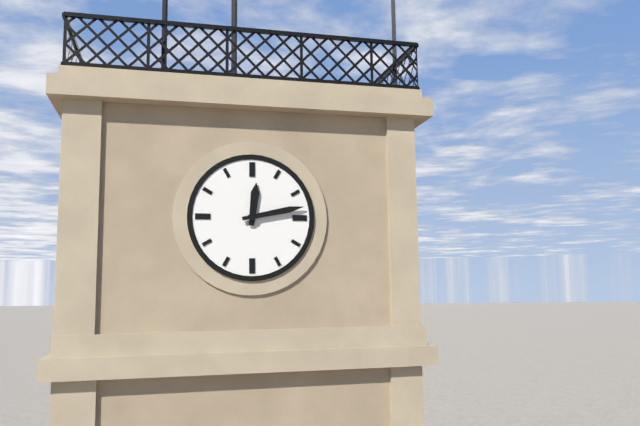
12:13
